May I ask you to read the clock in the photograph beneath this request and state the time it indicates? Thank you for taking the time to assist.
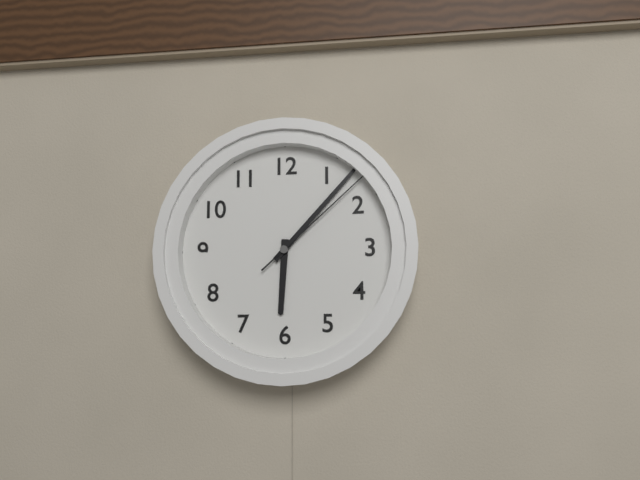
6:07:08
